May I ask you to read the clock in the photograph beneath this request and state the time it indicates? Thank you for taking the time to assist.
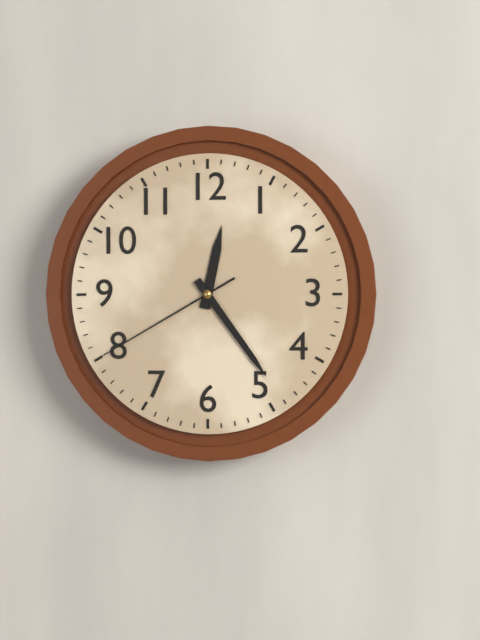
12:24:40
